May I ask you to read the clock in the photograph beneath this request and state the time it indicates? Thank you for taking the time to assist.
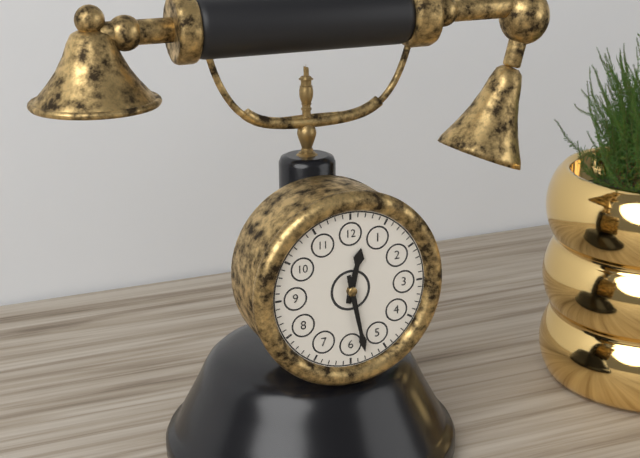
12:28
